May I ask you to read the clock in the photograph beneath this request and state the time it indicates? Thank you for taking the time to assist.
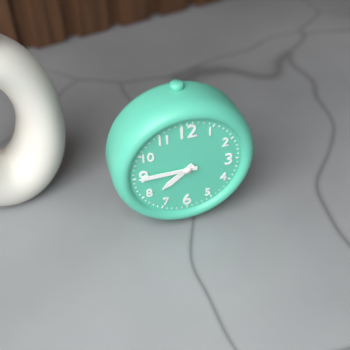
7:45
